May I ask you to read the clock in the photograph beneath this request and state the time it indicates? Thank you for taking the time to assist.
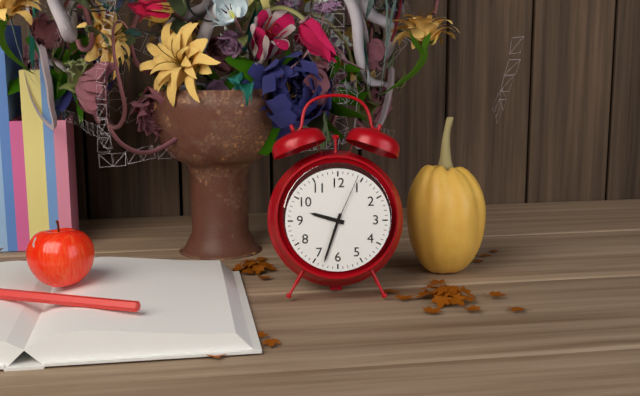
9:33:04
